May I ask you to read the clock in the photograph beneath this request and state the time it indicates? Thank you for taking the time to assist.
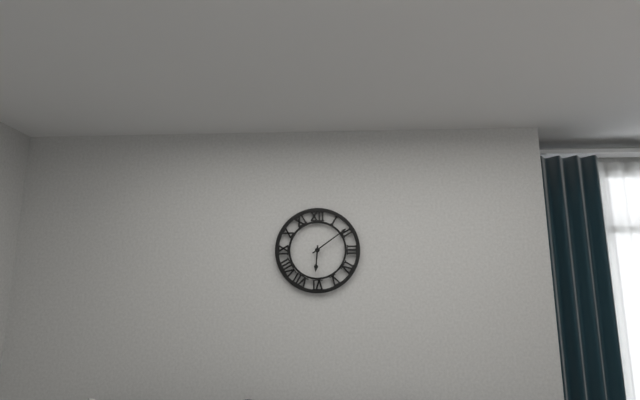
6:09
